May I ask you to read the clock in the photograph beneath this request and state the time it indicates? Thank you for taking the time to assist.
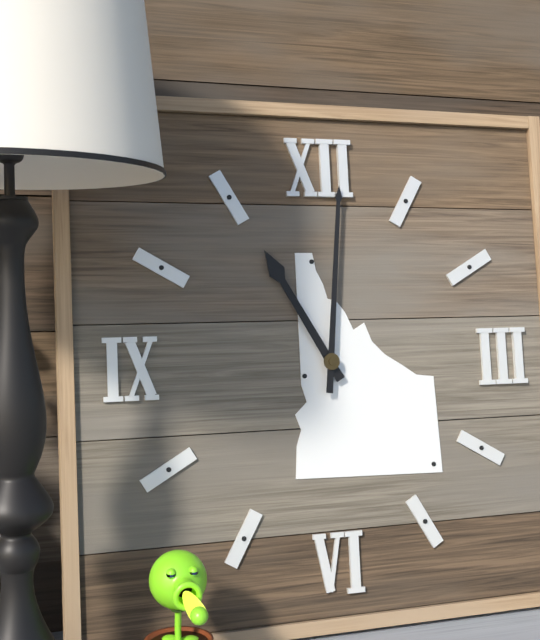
11:01
